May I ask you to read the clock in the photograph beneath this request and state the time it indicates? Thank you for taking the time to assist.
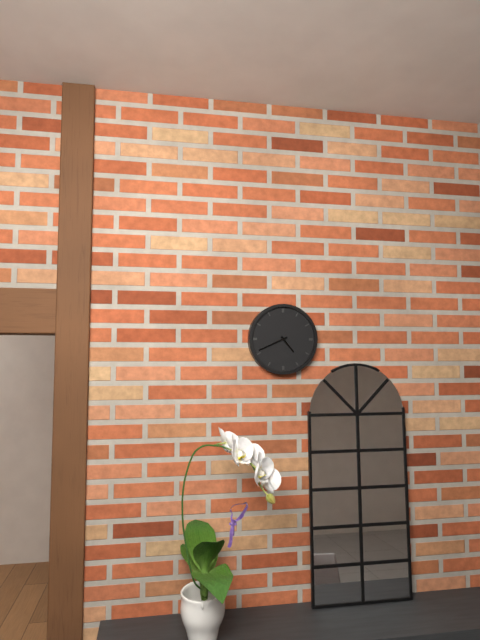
4:41
